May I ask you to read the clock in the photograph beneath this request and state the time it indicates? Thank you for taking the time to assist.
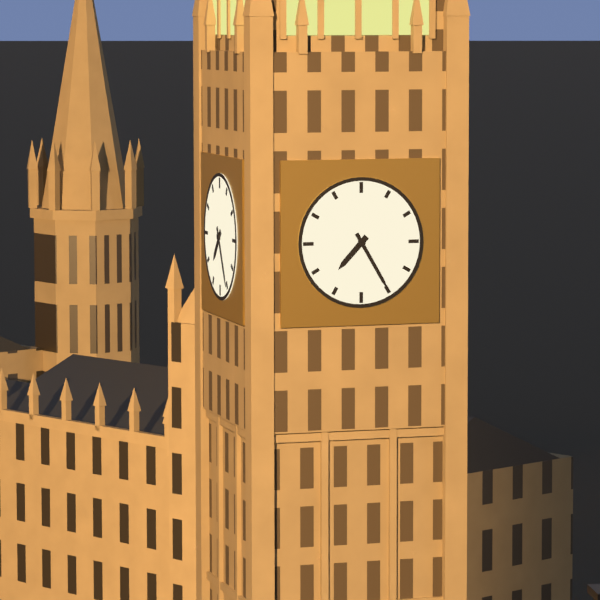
7:25
